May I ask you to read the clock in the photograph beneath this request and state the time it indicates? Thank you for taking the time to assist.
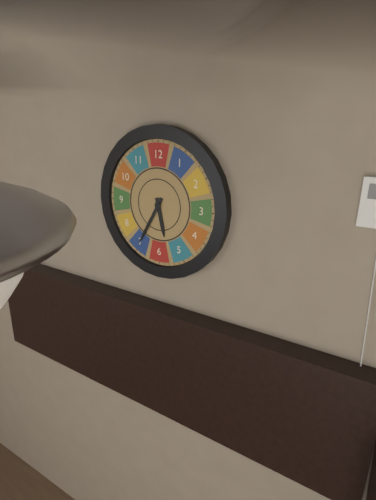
5:35
